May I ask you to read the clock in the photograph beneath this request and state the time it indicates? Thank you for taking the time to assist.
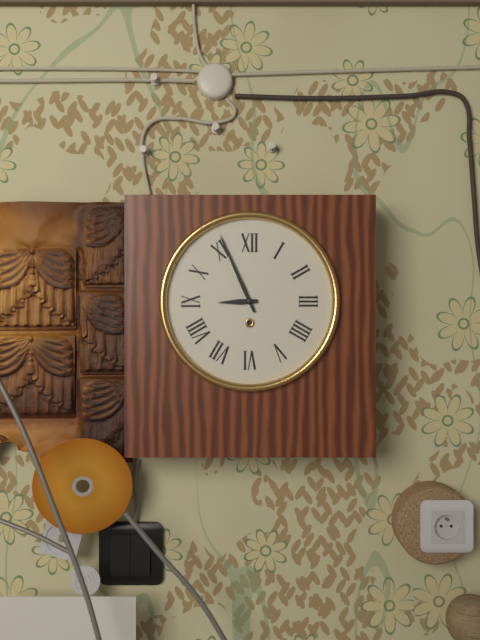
8:56
